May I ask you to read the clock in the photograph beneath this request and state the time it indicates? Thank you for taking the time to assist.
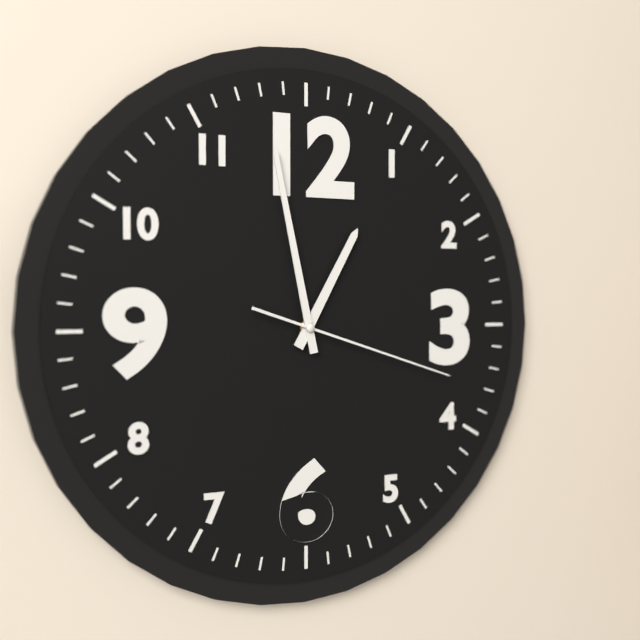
12:58:18
